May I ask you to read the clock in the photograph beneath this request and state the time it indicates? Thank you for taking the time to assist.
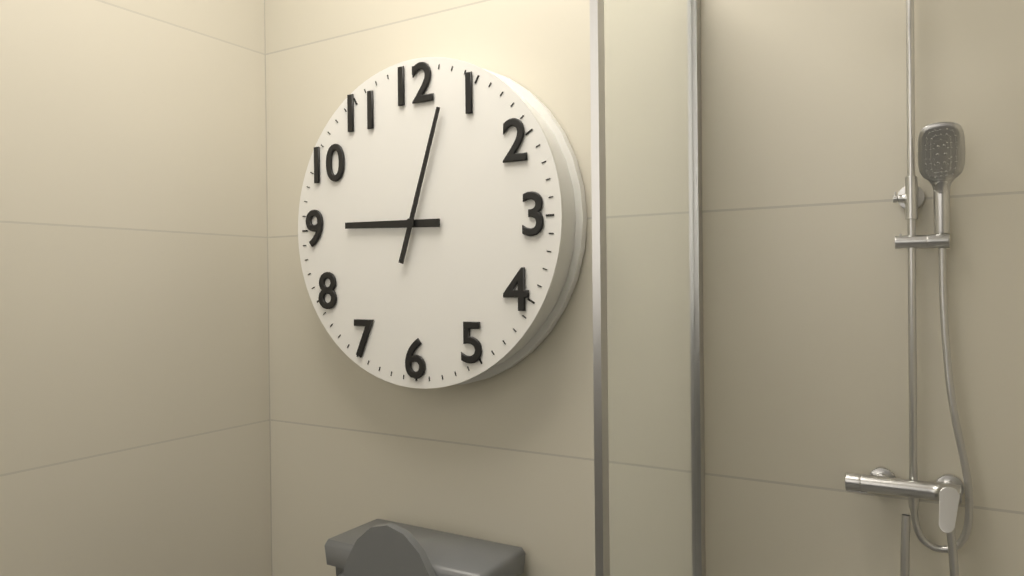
9:03
